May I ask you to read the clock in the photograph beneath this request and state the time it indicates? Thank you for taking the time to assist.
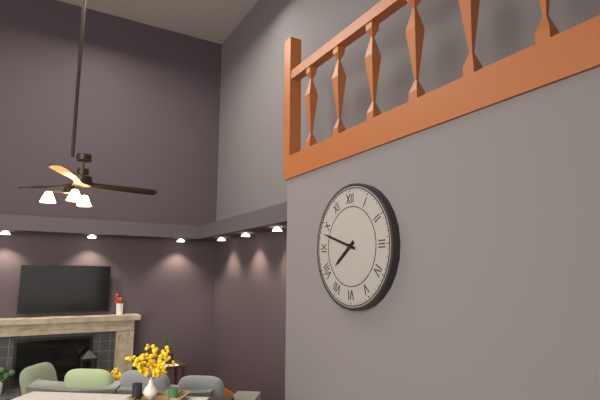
7:48
